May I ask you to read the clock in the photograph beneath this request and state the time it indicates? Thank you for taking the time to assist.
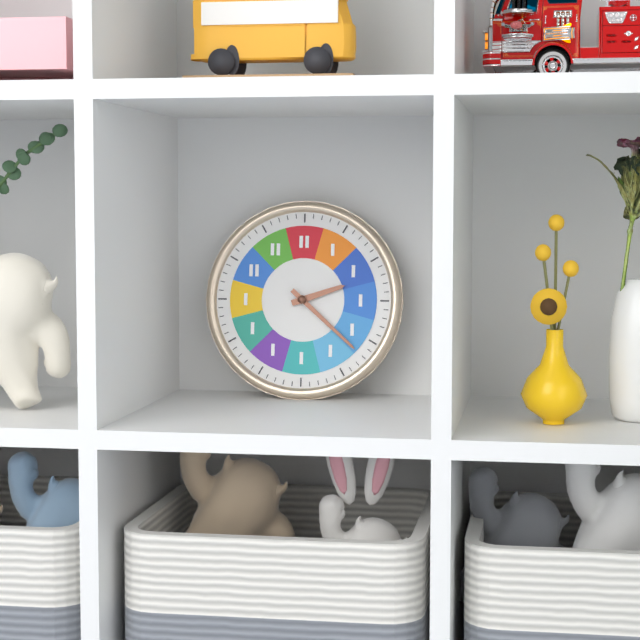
2:22
